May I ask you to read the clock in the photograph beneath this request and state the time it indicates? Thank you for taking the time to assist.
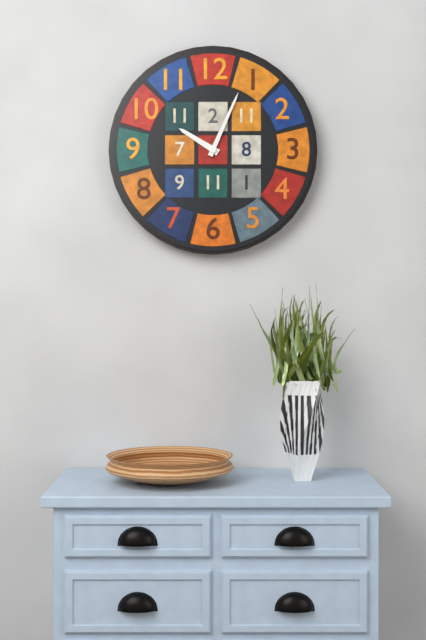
10:04
